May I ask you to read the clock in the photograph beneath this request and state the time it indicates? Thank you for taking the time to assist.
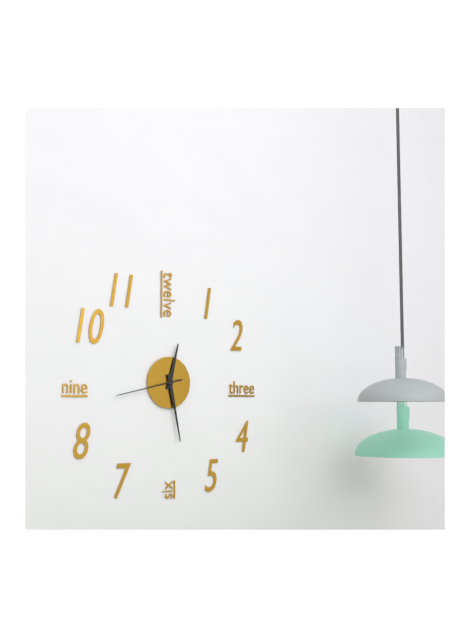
12:28:43
